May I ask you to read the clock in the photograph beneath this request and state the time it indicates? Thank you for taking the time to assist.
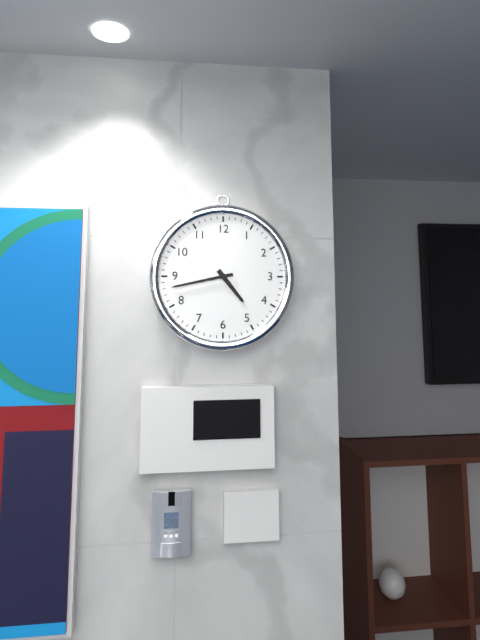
4:43
